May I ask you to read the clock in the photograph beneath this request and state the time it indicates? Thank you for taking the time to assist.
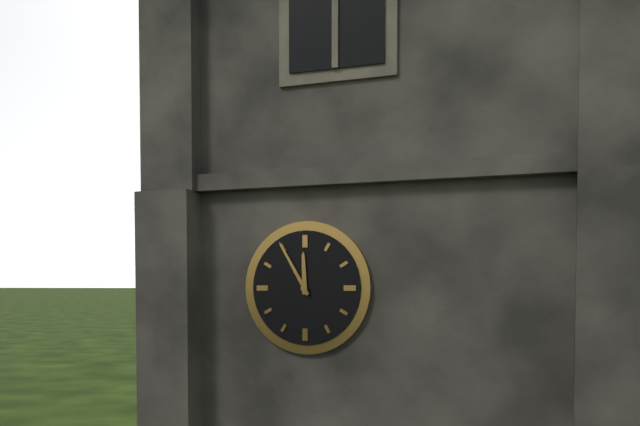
11:55
